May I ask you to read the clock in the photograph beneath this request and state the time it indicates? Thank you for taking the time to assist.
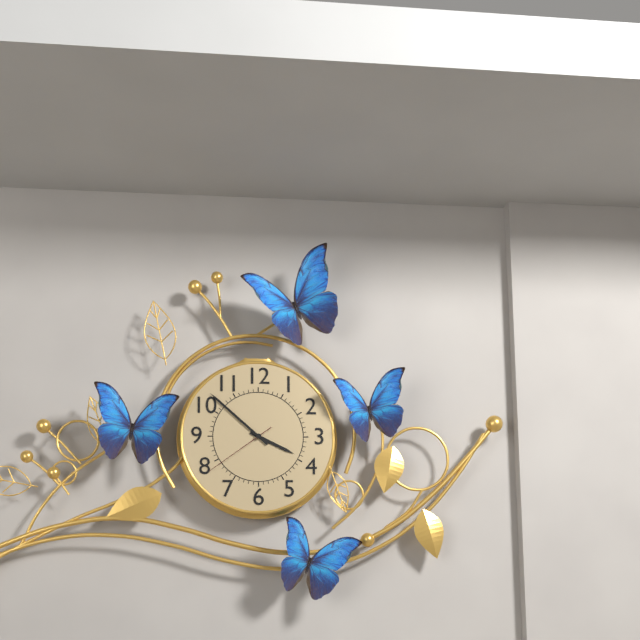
3:52:39
